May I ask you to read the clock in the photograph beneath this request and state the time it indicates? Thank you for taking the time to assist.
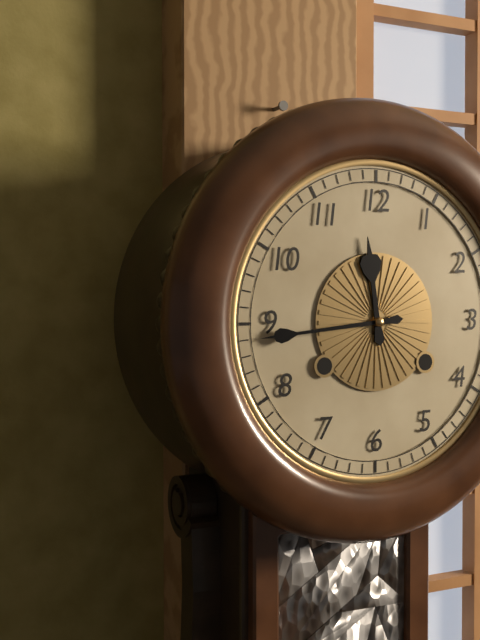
11:44
